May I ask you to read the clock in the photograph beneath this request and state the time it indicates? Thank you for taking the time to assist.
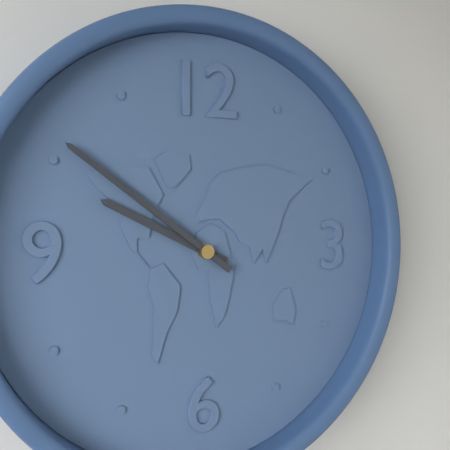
9:51
